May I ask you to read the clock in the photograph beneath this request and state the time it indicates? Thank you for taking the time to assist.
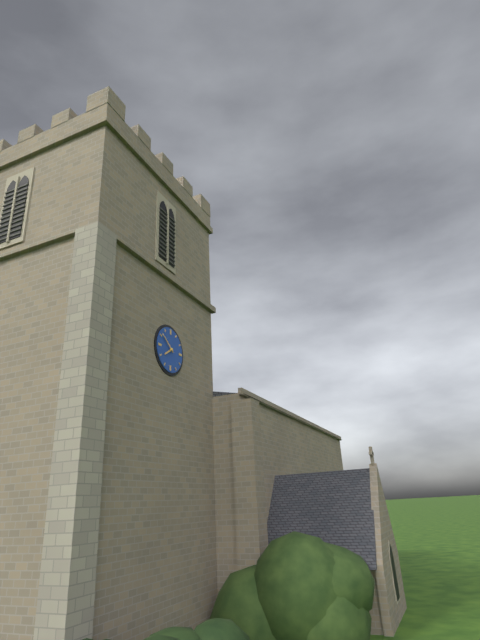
7:51
